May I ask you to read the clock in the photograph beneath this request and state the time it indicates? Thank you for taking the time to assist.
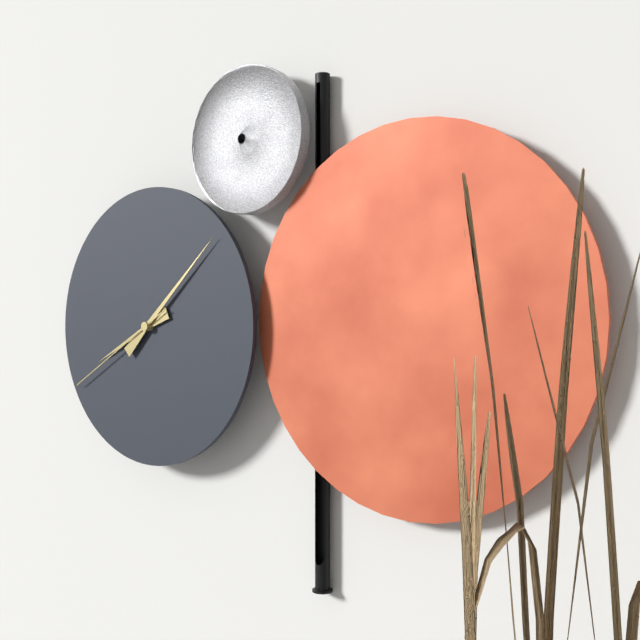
8:08:40
